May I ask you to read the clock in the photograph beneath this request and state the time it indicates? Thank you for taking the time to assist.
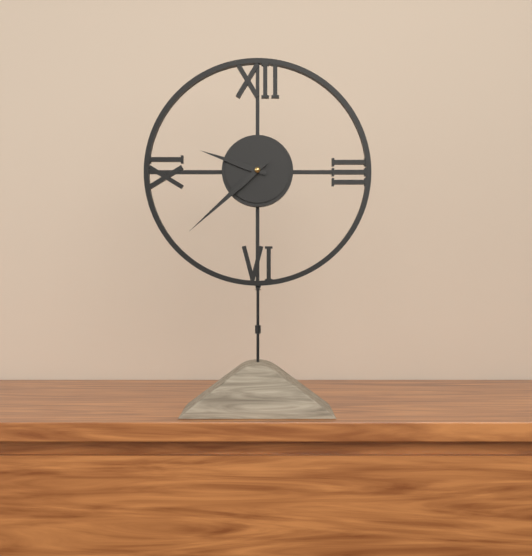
9:38
